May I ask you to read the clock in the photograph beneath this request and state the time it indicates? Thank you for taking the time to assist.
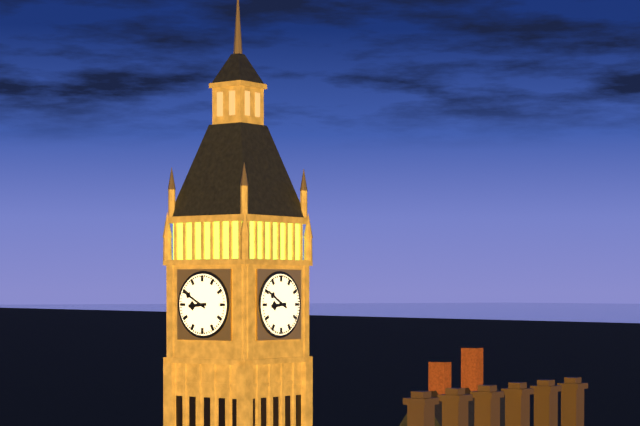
8:50
